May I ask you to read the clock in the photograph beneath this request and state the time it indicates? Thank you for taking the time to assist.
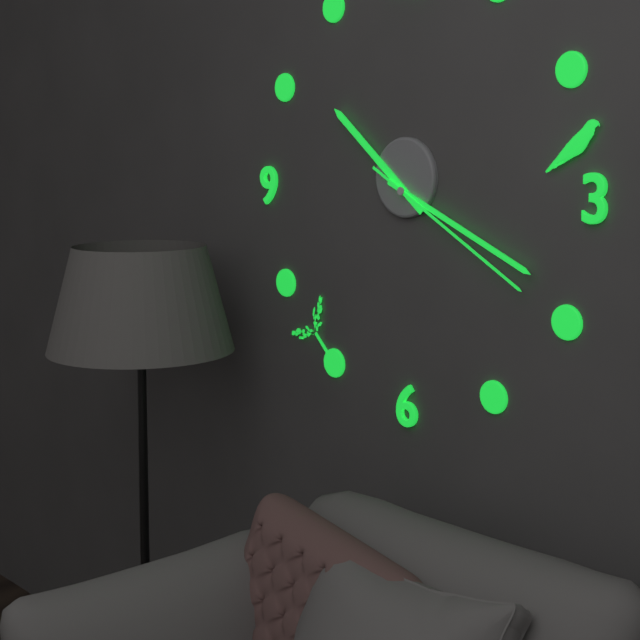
10:19:20
